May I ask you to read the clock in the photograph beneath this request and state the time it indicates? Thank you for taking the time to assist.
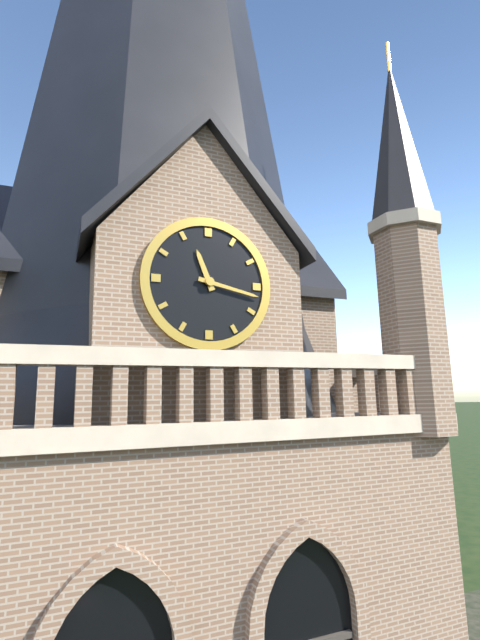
11:17
